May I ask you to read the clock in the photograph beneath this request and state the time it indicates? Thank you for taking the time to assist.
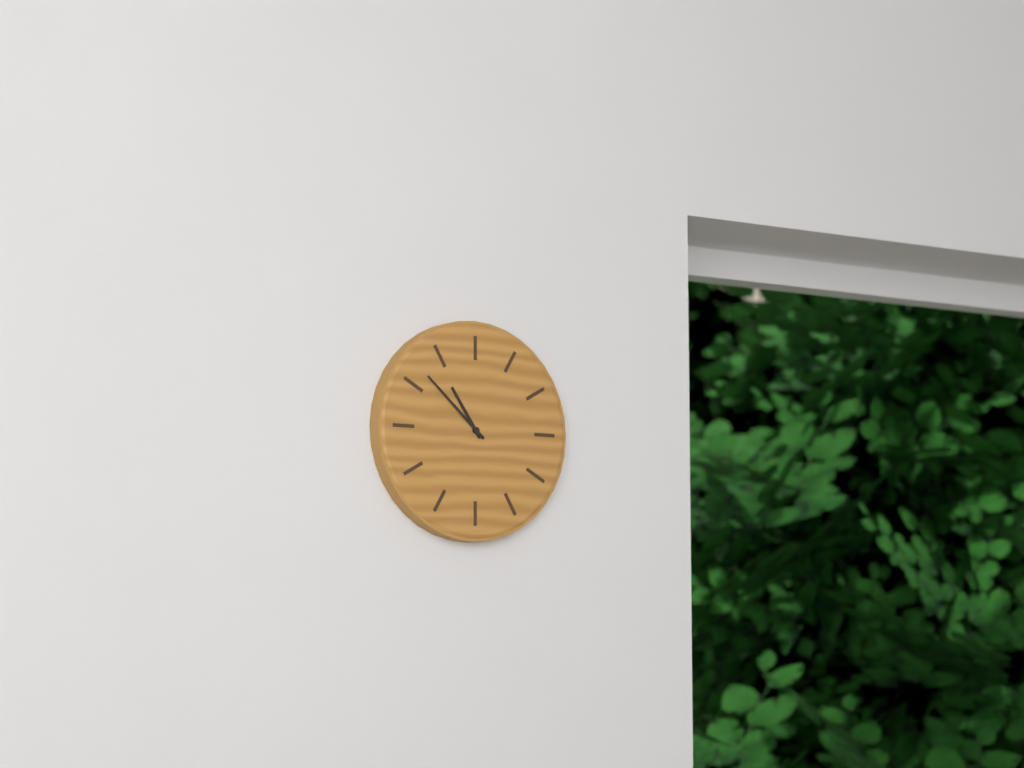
10:52
